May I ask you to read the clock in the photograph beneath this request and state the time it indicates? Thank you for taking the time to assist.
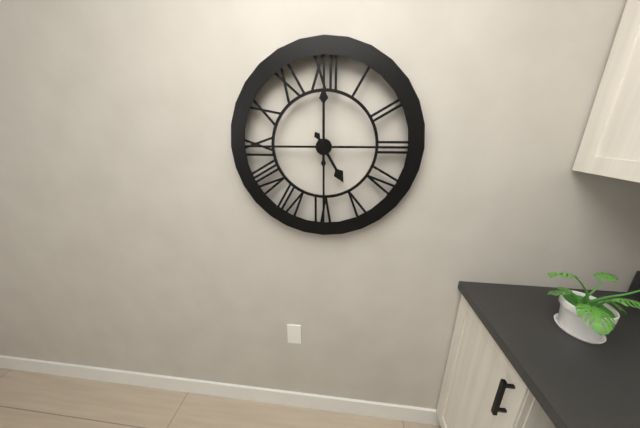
5:00
